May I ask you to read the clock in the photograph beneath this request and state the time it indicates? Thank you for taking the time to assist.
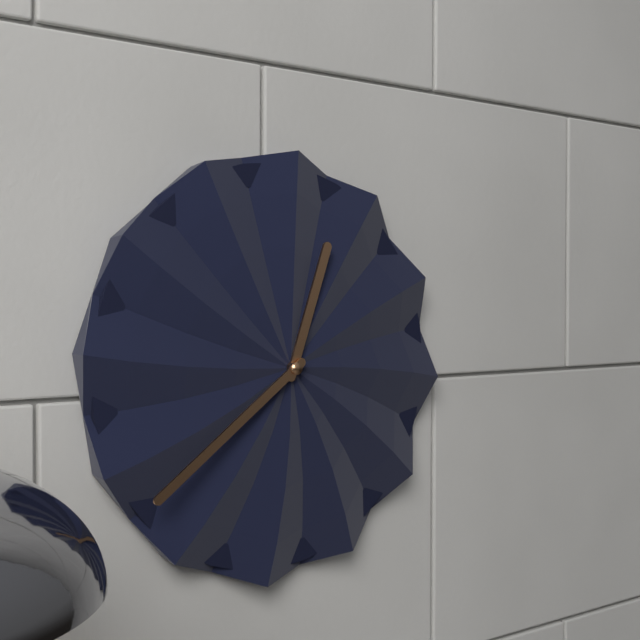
12:39
